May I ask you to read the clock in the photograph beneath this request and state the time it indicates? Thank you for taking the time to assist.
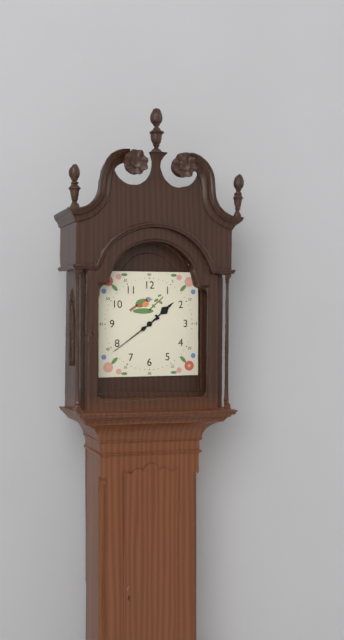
1:39
